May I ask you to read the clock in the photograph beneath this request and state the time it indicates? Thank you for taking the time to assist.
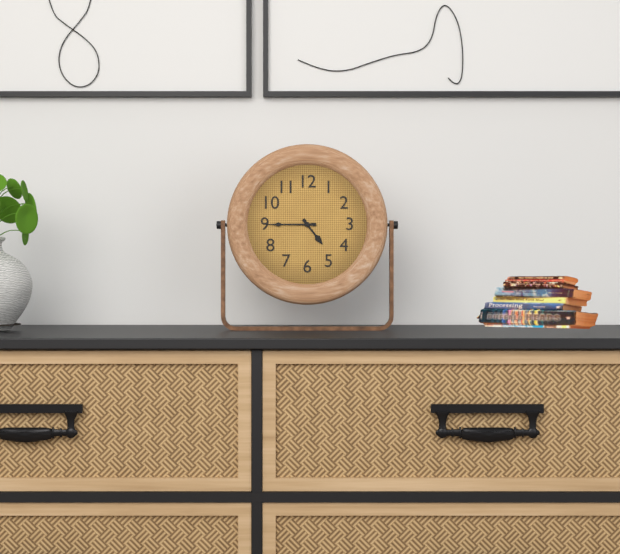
4:45
